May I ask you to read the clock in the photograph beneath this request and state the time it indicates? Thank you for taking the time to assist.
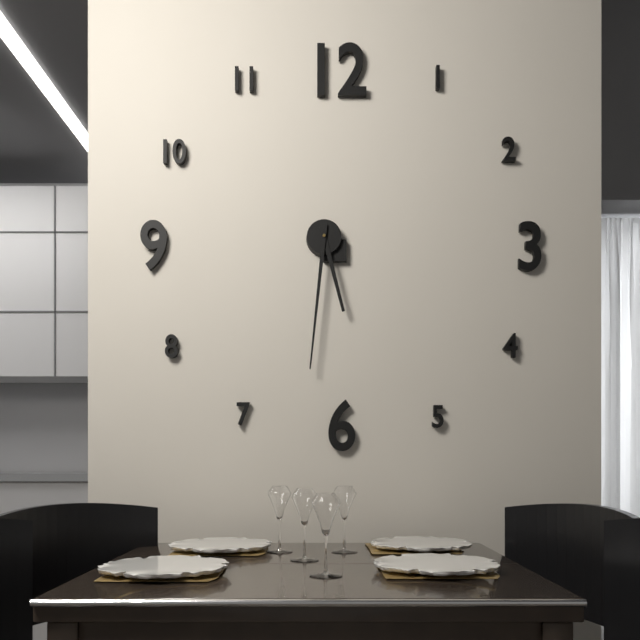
5:31
